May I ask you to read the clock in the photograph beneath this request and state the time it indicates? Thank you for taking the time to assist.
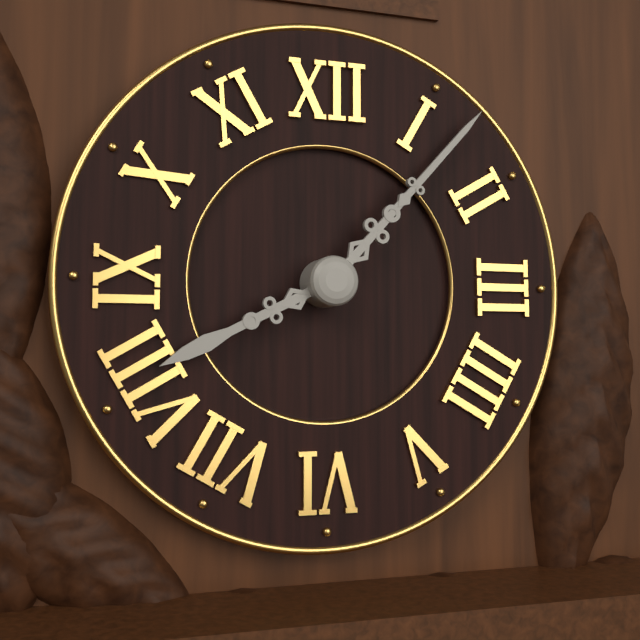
8:07
